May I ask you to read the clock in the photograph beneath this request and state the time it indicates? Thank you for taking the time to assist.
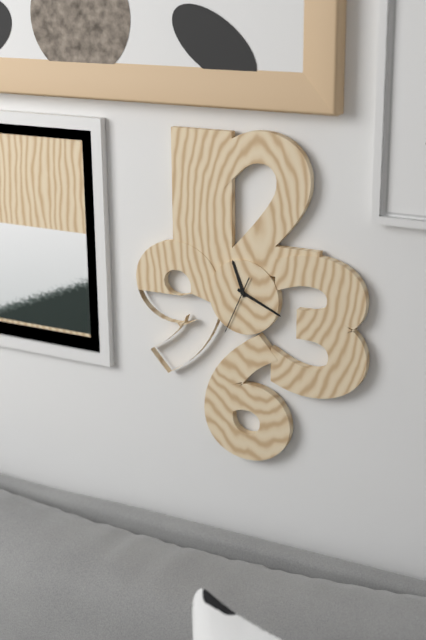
11:19:34
